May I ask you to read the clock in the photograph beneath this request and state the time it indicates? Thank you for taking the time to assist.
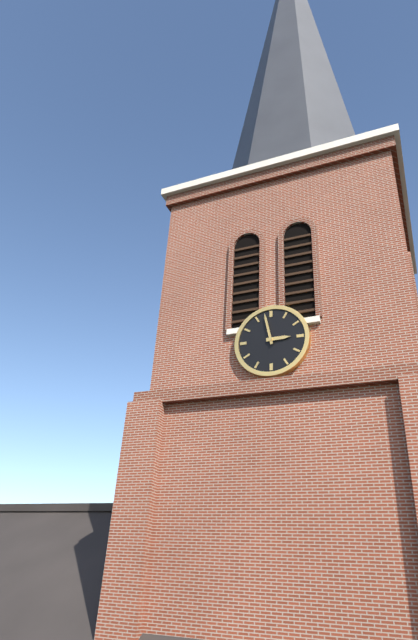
2:58
